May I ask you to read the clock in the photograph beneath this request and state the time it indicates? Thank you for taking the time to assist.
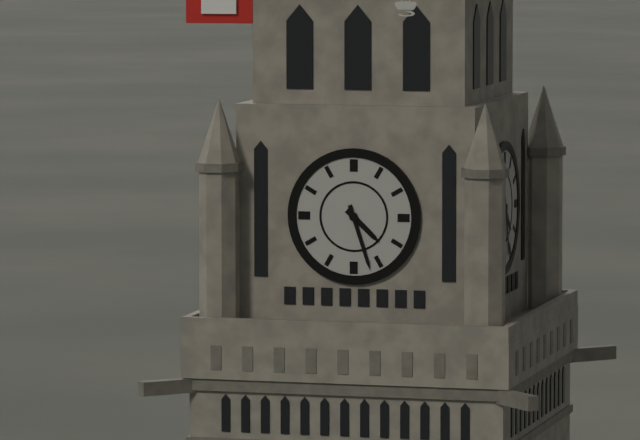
4:27
